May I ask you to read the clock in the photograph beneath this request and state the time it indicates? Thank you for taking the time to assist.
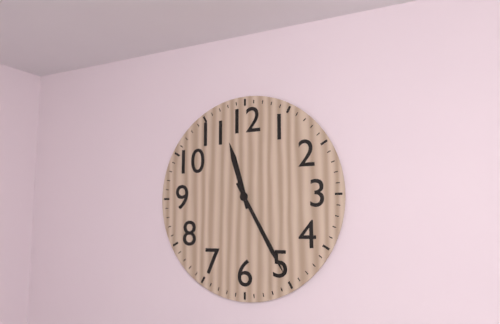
11:25
